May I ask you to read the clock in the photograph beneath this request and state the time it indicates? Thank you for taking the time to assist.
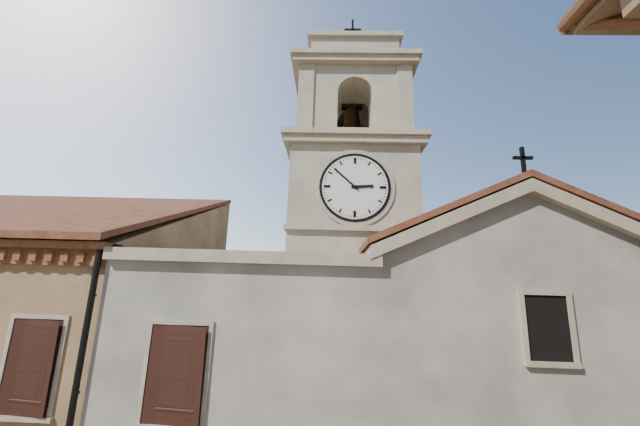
2:52
